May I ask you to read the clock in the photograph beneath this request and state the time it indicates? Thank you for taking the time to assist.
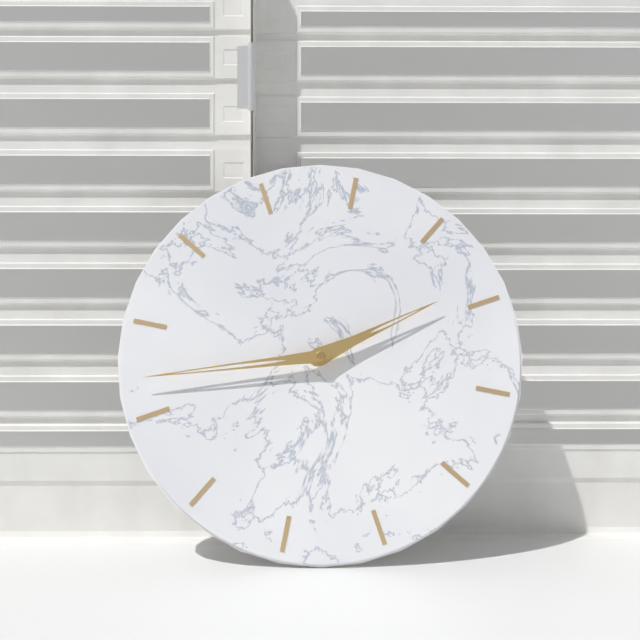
2:47
